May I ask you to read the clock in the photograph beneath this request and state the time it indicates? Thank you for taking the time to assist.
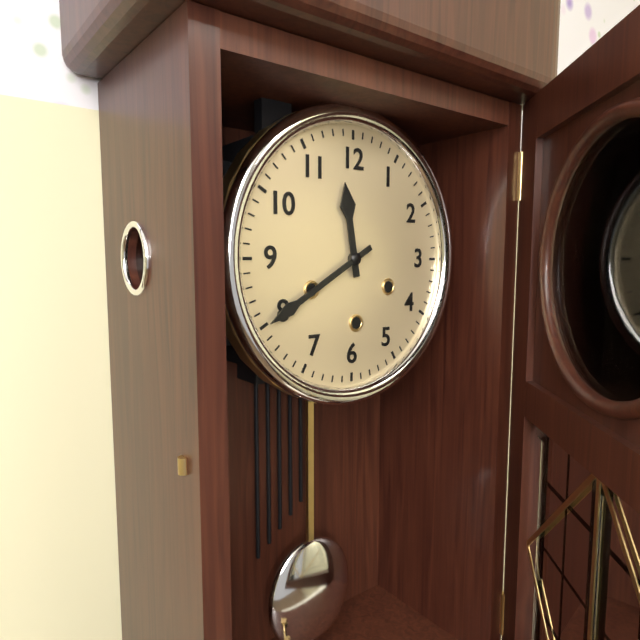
11:40
